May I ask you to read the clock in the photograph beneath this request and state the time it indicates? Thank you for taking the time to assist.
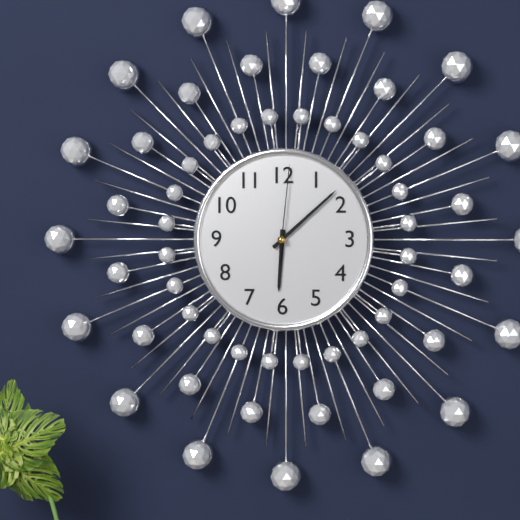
6:08:01
